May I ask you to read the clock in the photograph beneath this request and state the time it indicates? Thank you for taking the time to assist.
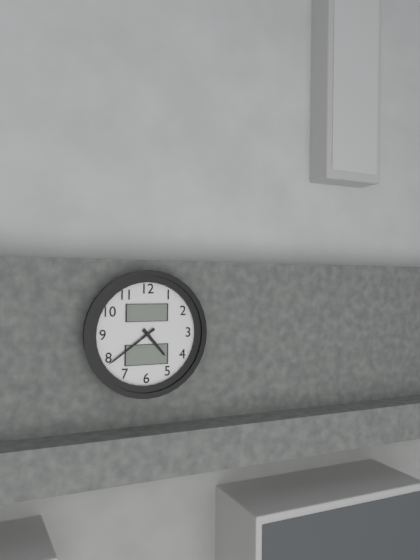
4:39
